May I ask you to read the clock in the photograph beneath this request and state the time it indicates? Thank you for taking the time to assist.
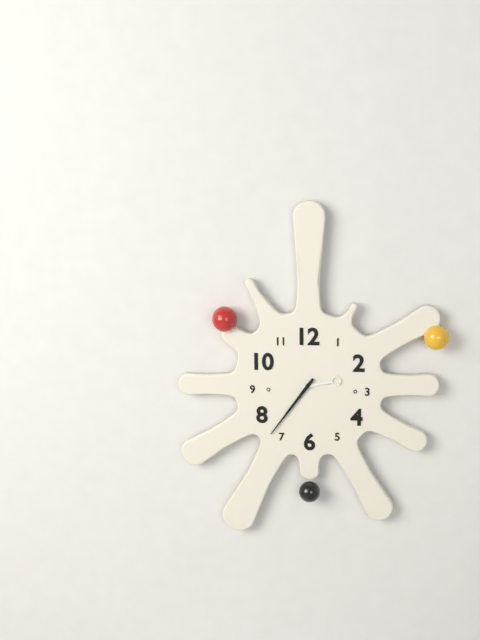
2:36
